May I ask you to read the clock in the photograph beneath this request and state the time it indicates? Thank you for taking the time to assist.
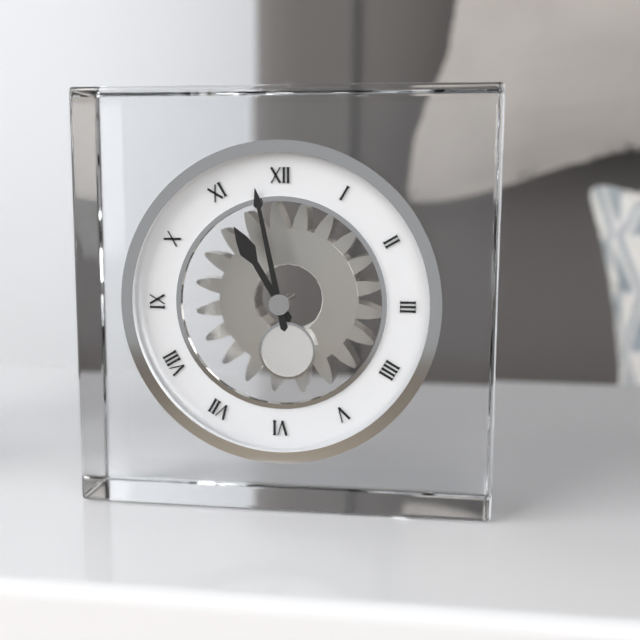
10:58
